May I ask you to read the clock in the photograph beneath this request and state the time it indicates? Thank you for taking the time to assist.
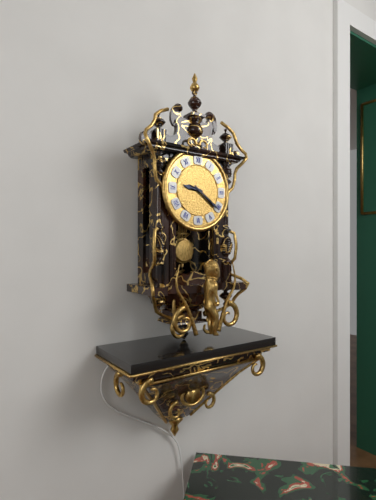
9:21
